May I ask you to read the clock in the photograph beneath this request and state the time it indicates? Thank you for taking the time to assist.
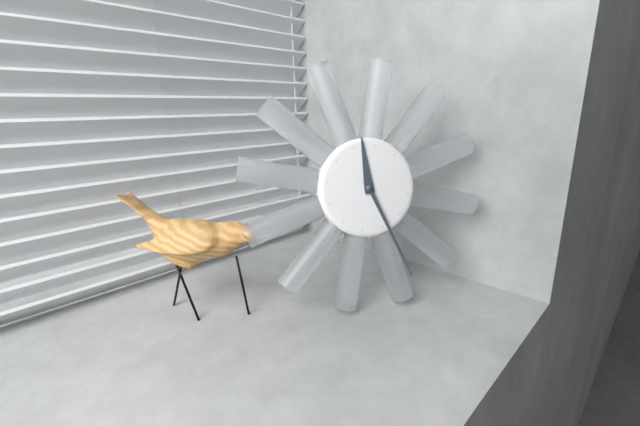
11:24
